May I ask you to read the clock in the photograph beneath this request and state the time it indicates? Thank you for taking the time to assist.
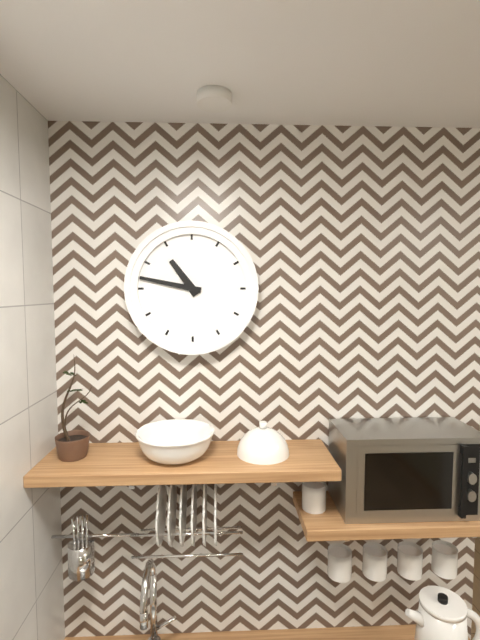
10:47
